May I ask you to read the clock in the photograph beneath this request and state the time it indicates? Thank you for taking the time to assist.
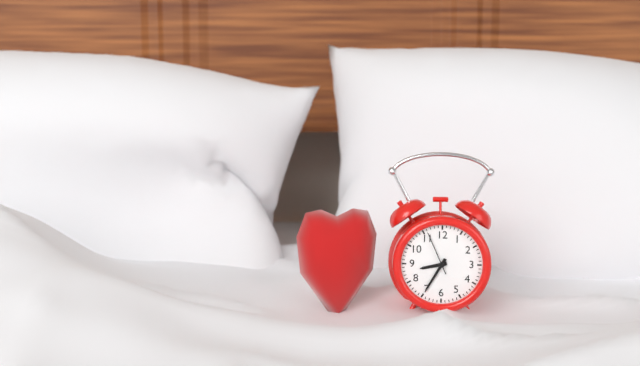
8:35
